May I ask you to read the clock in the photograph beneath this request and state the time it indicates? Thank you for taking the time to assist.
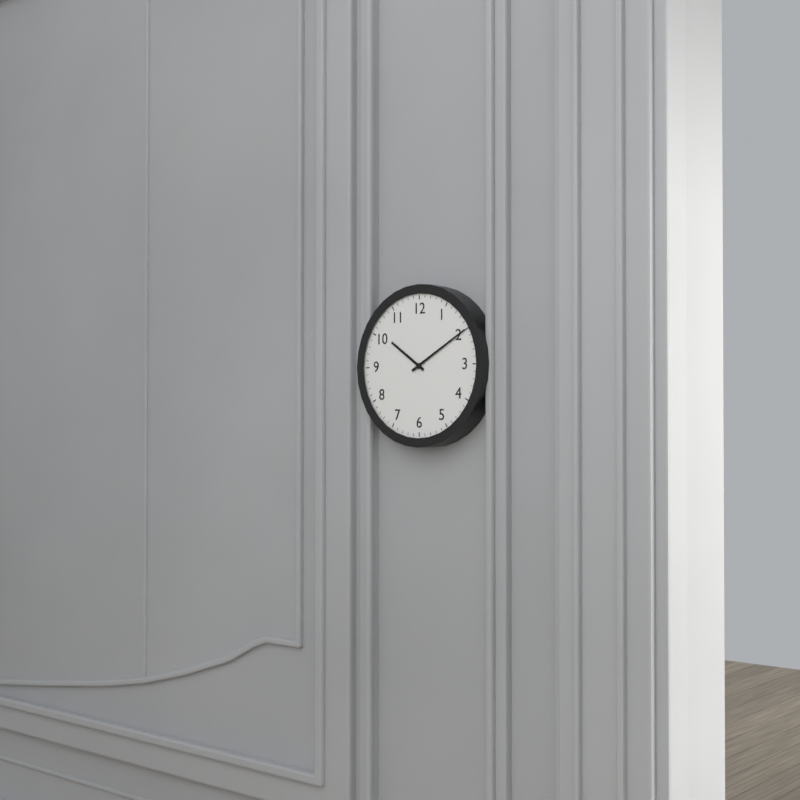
10:10
